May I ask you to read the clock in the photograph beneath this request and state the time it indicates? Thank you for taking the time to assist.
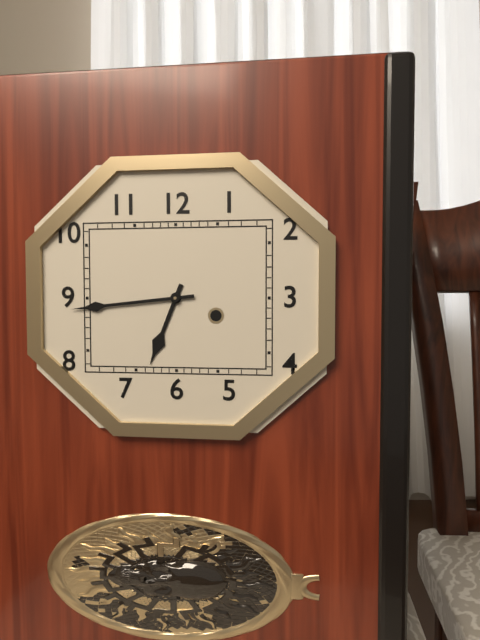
6:44
